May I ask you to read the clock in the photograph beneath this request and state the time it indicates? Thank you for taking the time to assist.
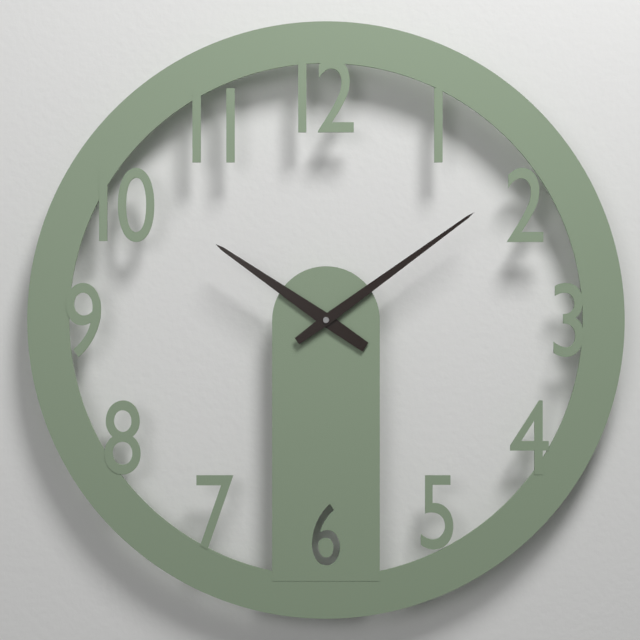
10:09
